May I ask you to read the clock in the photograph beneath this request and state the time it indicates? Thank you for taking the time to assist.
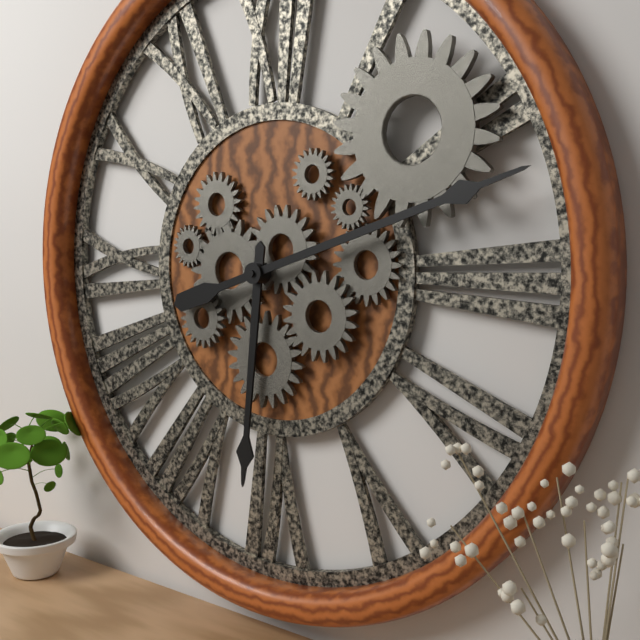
6:12
